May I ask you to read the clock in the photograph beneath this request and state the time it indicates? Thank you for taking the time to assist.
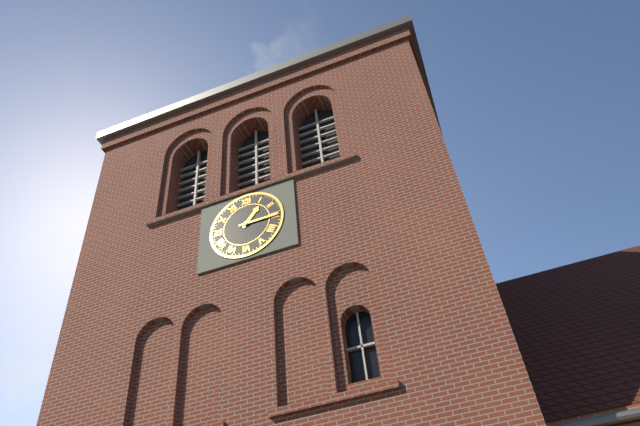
1:15
